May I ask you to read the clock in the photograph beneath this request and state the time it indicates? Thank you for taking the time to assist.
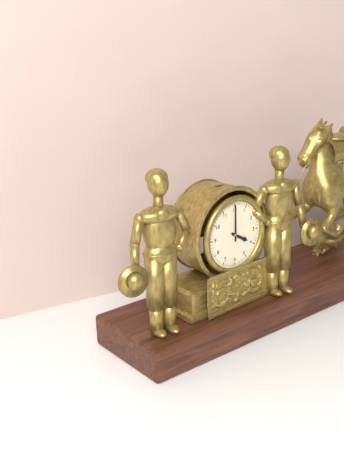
4:00
